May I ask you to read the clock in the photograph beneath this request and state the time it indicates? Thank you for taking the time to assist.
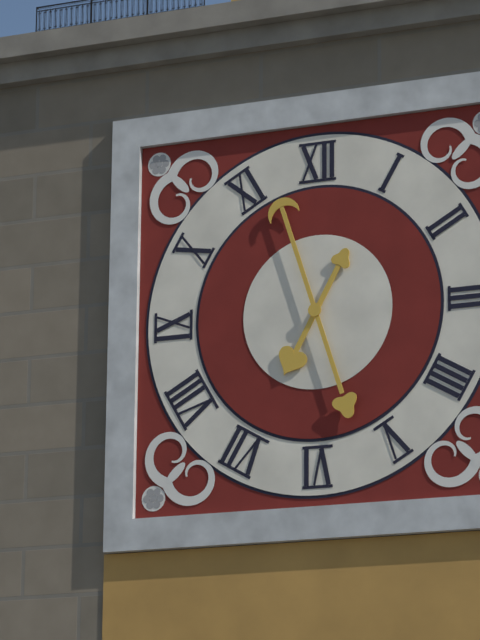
6:57
